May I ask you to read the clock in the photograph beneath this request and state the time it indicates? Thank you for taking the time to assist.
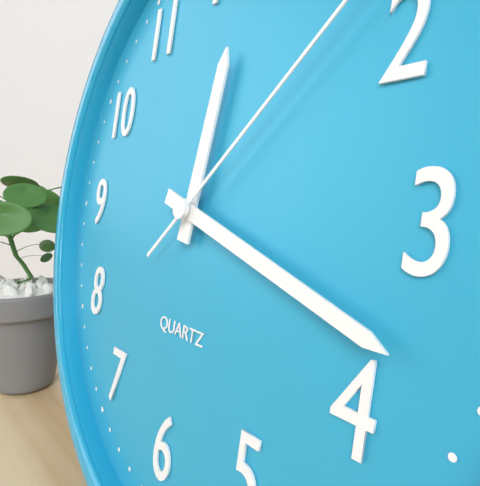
12:18
